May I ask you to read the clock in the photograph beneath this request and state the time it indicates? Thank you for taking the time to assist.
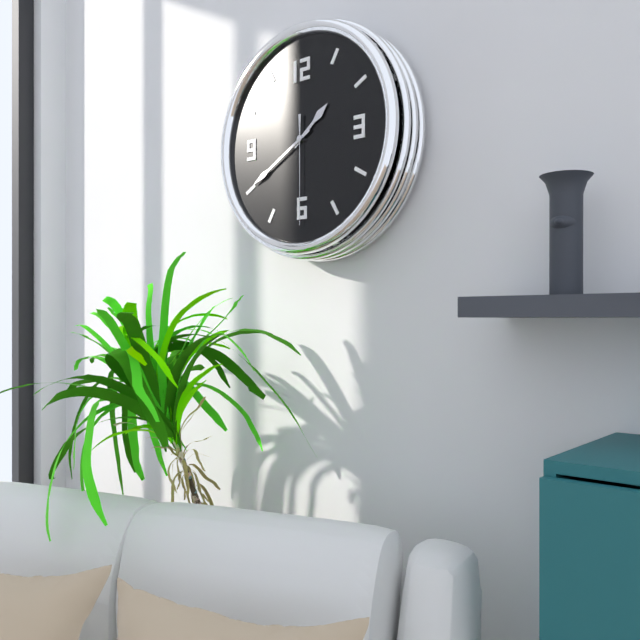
1:40:30
